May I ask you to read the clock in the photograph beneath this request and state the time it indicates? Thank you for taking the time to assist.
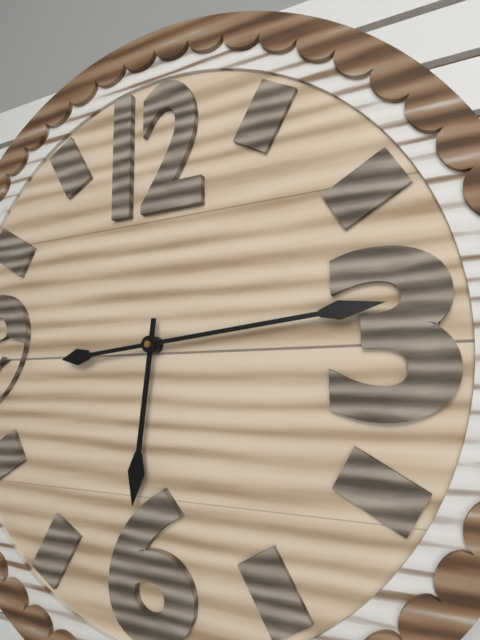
6:14
